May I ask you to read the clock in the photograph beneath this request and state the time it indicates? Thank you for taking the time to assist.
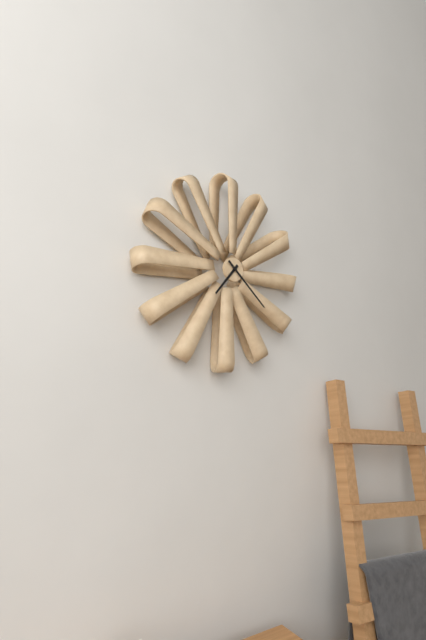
7:22
